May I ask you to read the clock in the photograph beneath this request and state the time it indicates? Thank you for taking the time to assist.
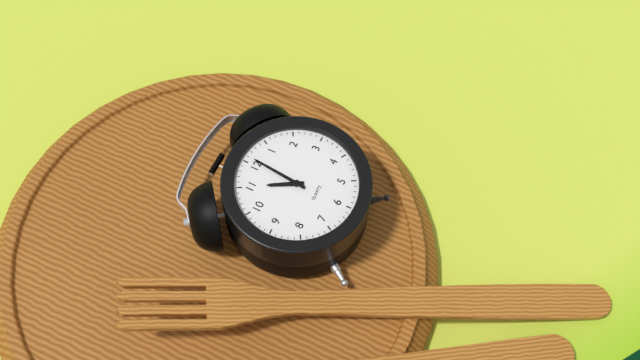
11:01
